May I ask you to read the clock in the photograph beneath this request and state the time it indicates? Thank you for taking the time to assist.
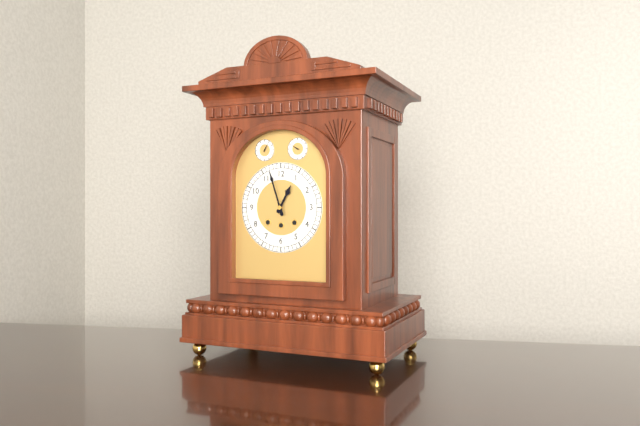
12:57
